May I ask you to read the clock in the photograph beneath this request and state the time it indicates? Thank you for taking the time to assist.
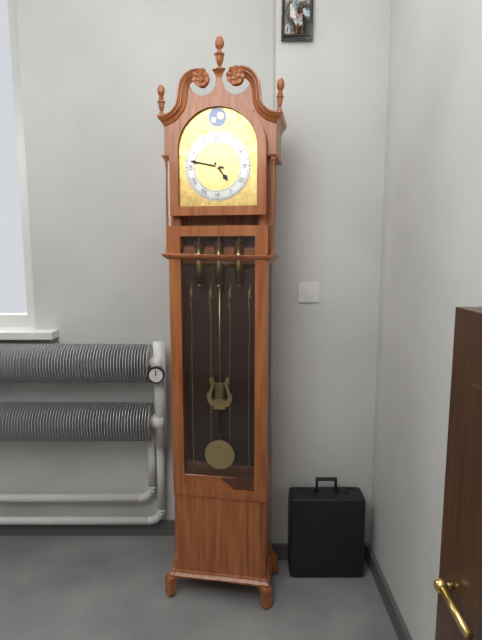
4:47
